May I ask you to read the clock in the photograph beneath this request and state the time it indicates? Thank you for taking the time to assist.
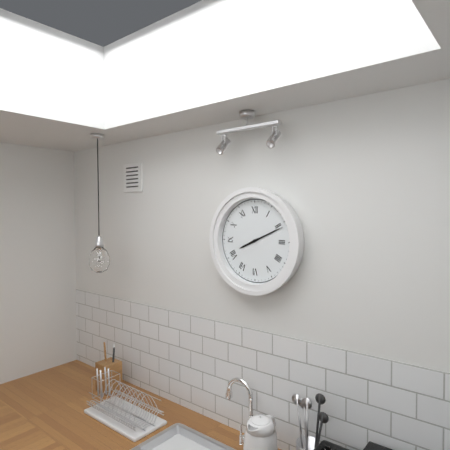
8:11
